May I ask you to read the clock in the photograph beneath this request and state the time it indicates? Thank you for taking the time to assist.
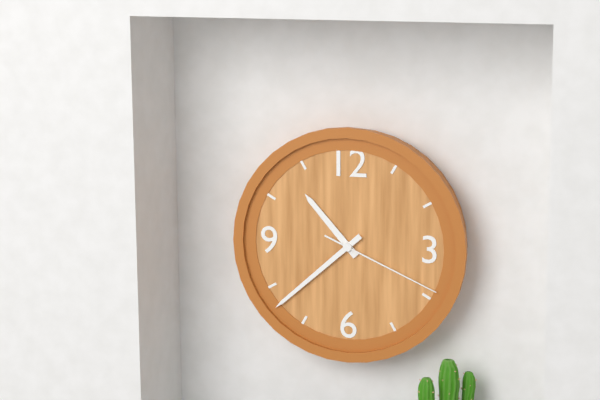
10:38:19
